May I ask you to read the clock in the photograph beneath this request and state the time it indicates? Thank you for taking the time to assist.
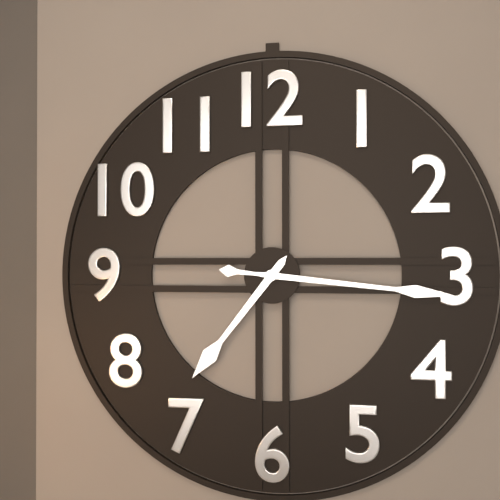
7:16
